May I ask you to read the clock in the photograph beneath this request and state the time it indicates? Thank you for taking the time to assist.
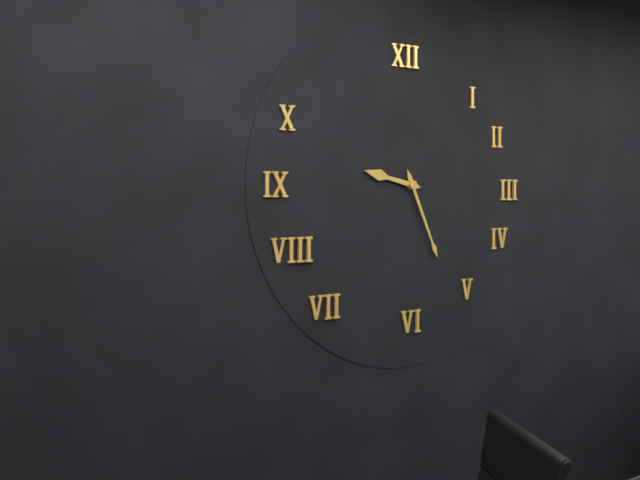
9:26
